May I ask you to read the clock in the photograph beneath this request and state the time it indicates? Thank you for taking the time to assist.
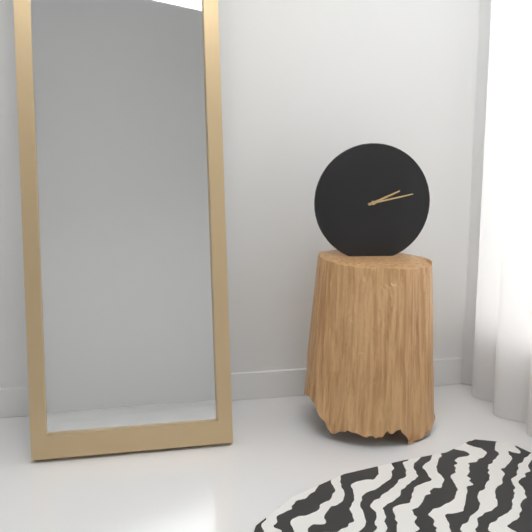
2:13
